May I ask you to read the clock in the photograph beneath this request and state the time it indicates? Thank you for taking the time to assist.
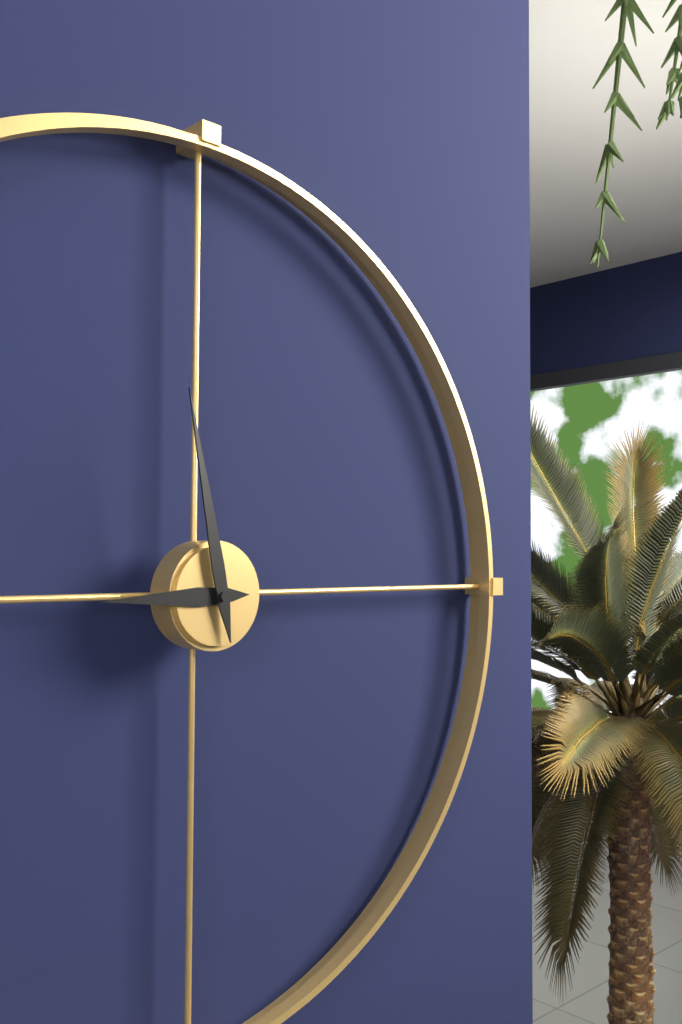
8:58
